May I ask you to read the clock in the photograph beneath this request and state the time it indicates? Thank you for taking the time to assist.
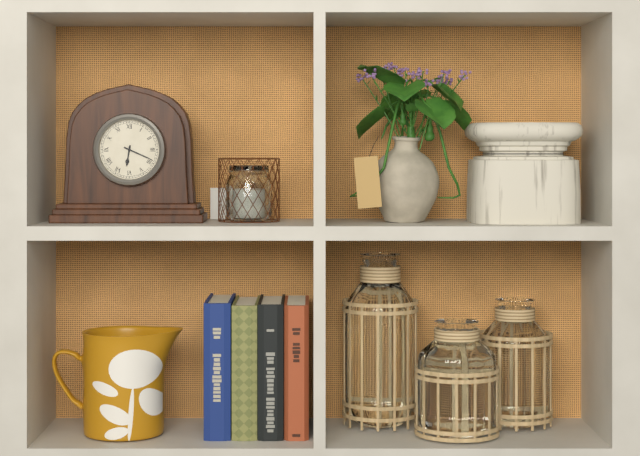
6:19
